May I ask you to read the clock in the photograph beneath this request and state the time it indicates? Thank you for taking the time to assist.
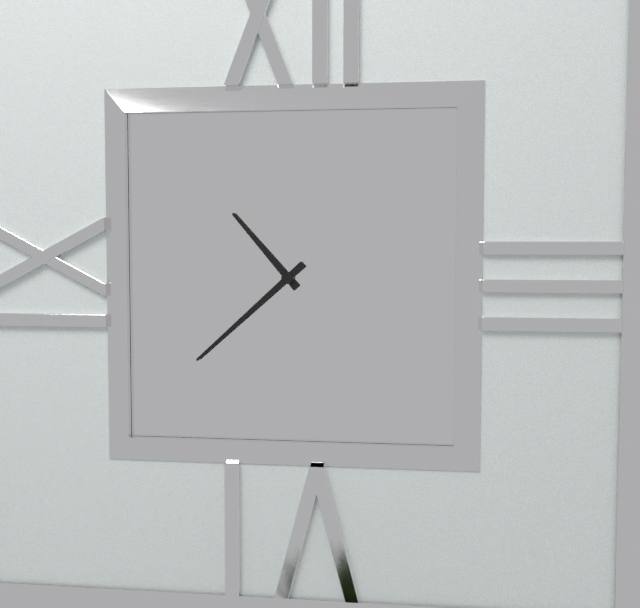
10:38
